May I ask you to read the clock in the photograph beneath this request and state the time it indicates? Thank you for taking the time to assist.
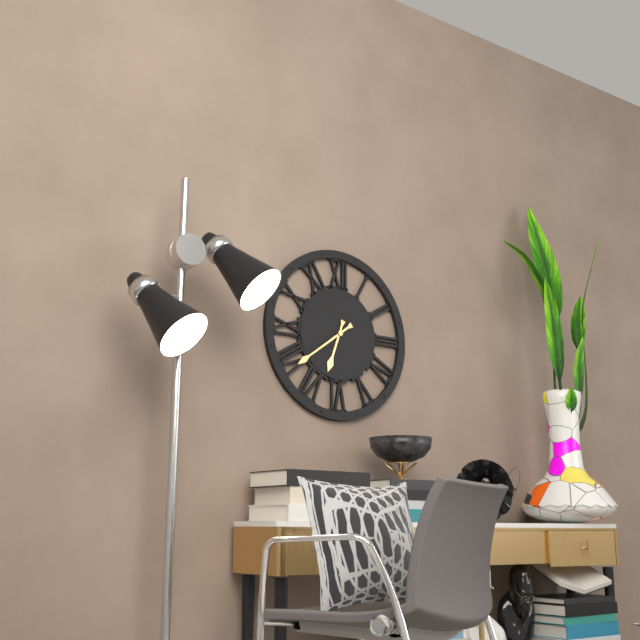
6:39
